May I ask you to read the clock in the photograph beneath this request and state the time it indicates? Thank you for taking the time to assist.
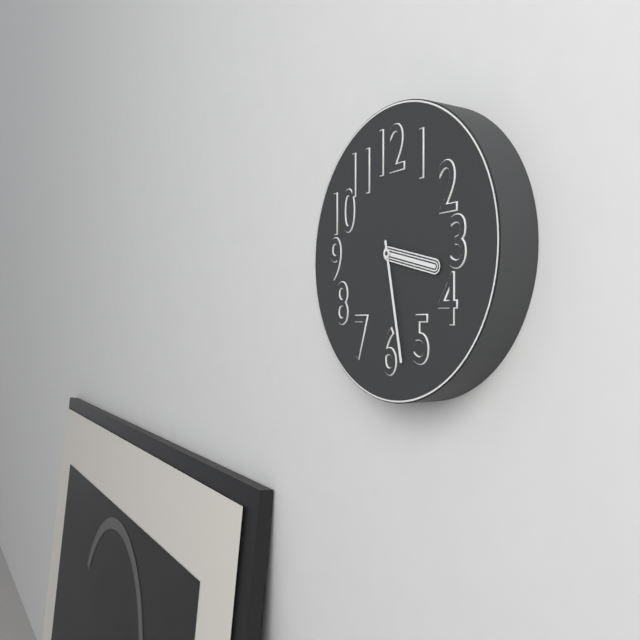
3:28
